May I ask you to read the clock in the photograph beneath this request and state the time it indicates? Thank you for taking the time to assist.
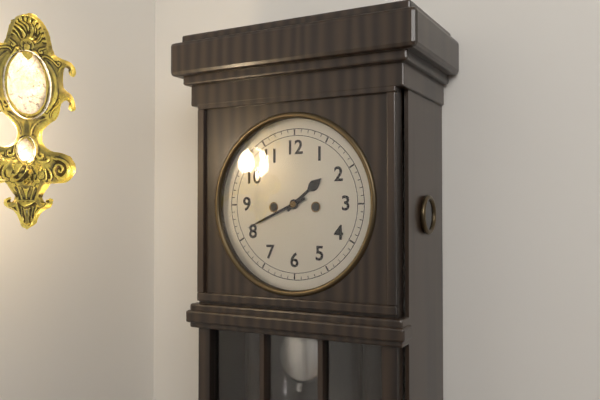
1:41
